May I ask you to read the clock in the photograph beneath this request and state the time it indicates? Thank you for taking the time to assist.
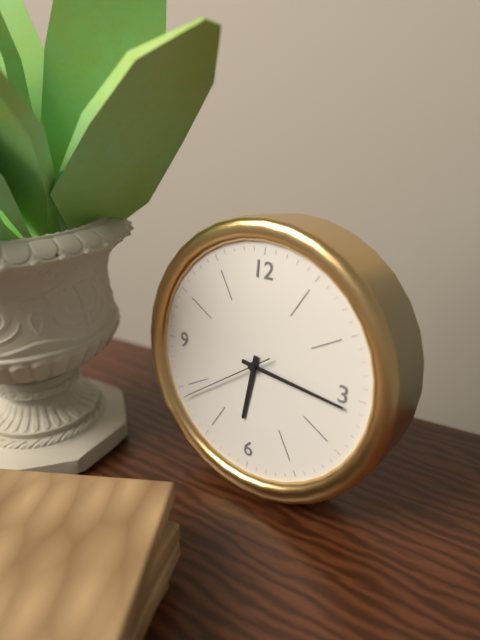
6:16:39
